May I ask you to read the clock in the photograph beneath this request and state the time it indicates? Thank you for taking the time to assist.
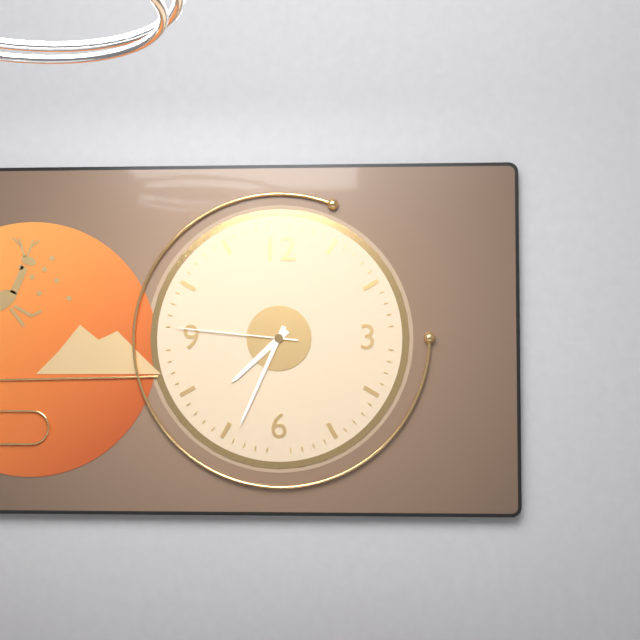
7:34:46
